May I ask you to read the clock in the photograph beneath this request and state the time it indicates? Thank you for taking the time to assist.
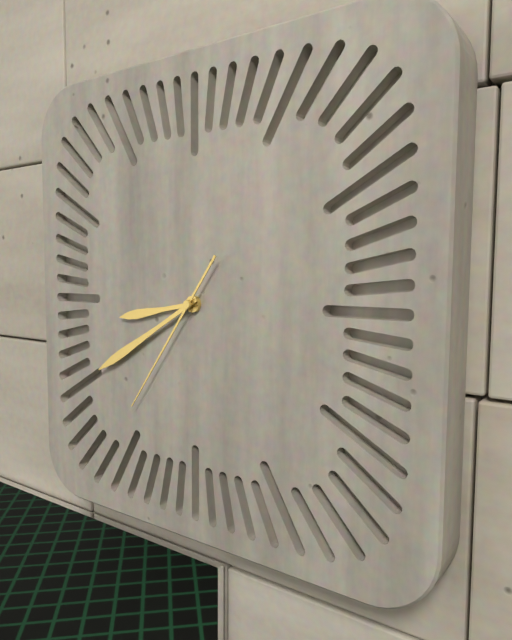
8:40:36
